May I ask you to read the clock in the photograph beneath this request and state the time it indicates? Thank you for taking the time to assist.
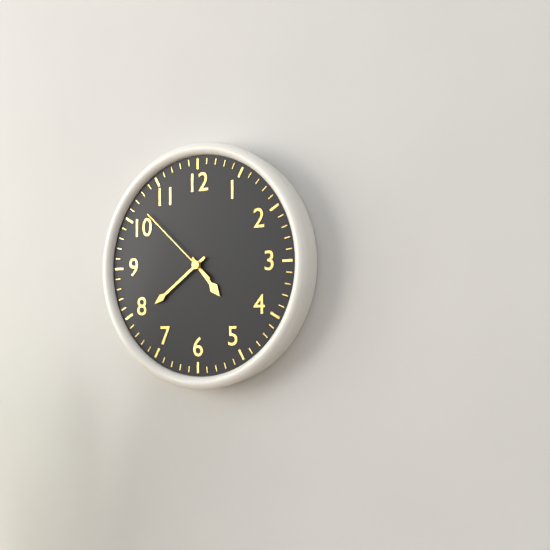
4:39:52
